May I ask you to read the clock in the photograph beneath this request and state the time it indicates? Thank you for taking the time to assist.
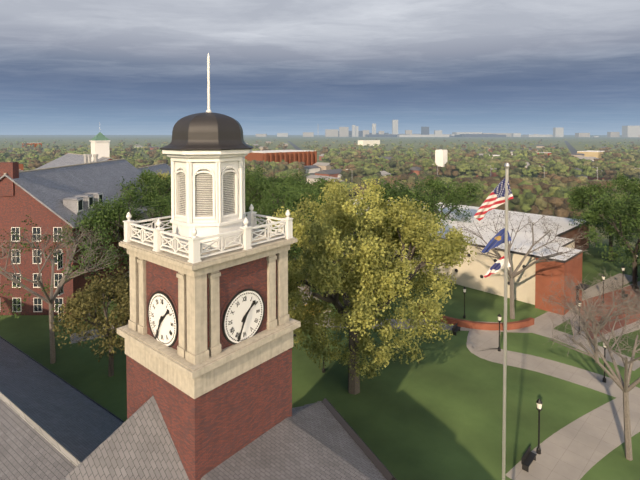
1:34
